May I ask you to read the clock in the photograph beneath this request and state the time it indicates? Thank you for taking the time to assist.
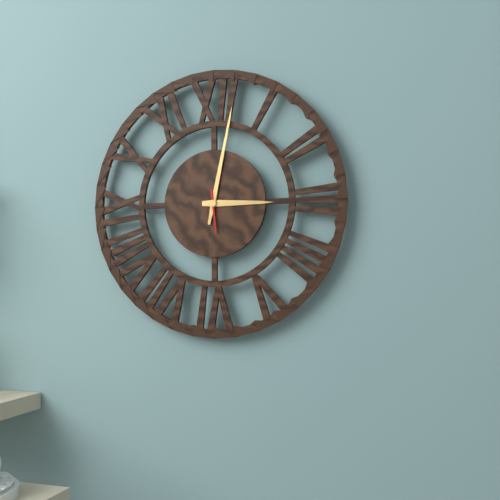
3:02
